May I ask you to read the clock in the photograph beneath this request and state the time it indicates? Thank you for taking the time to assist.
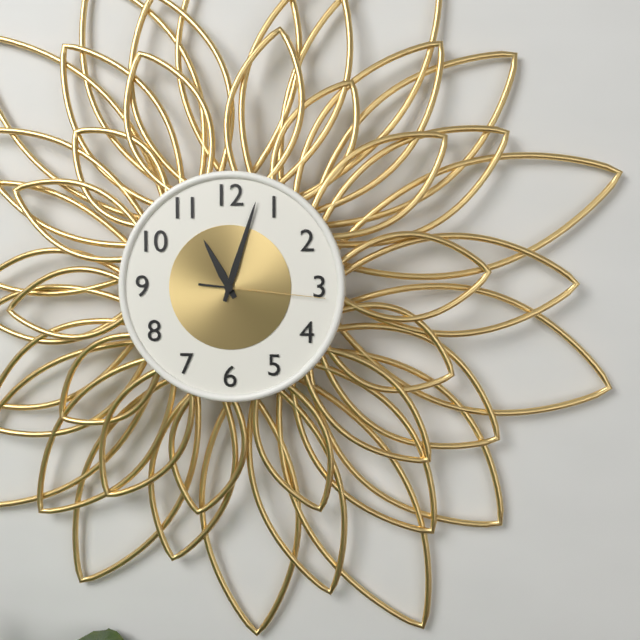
11:03:16
